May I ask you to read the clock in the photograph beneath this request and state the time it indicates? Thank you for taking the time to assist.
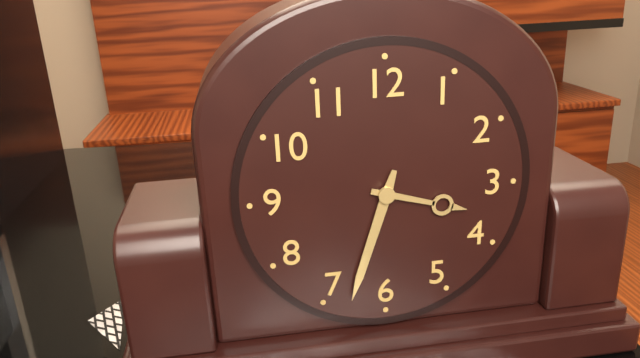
3:33
